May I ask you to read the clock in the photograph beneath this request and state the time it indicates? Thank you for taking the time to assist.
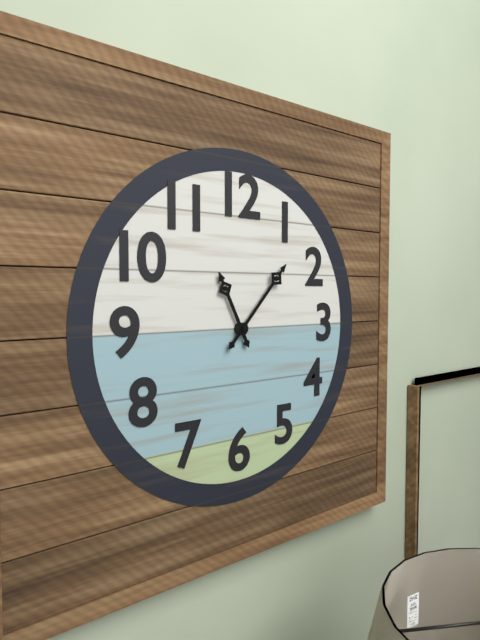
11:07
